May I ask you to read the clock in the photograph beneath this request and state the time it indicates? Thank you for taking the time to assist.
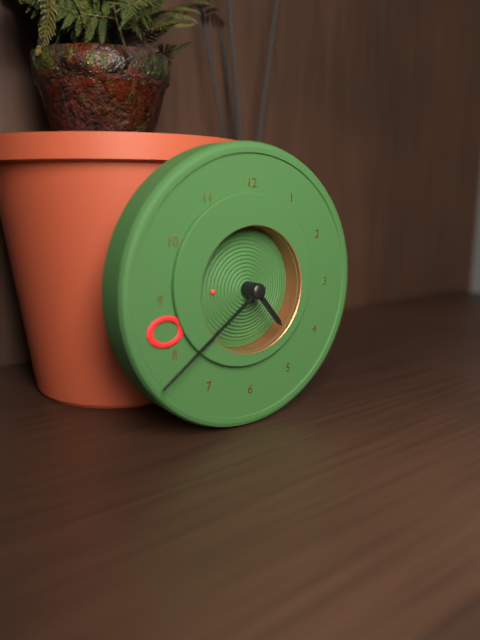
4:39
